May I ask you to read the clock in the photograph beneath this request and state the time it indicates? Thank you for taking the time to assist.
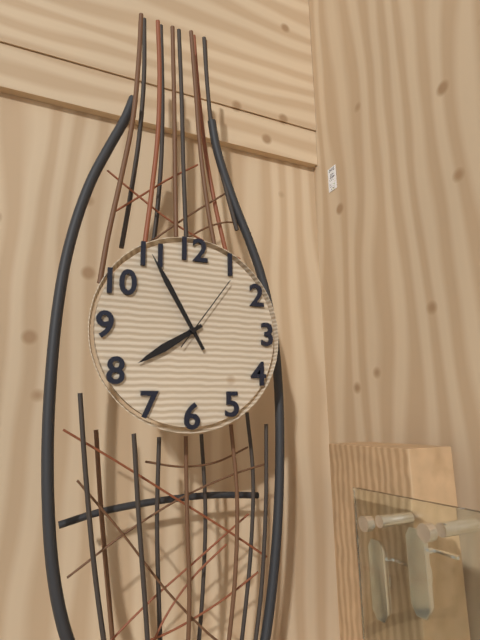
7:55:06
